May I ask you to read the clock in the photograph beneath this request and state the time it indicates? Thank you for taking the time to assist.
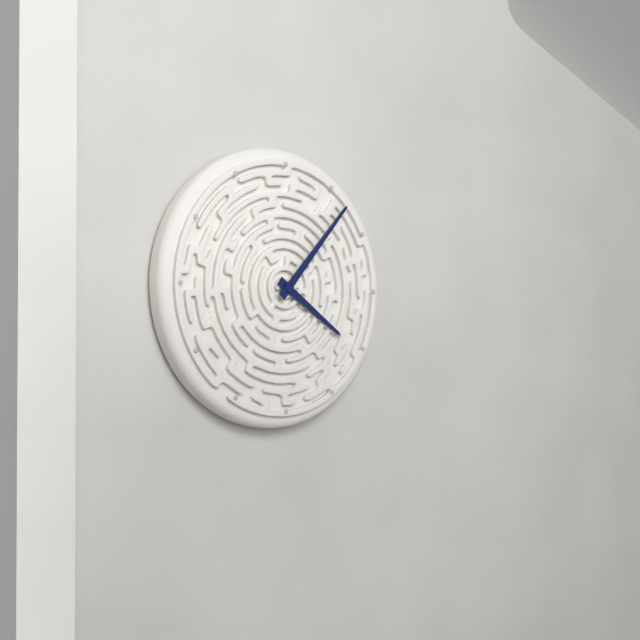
4:07
